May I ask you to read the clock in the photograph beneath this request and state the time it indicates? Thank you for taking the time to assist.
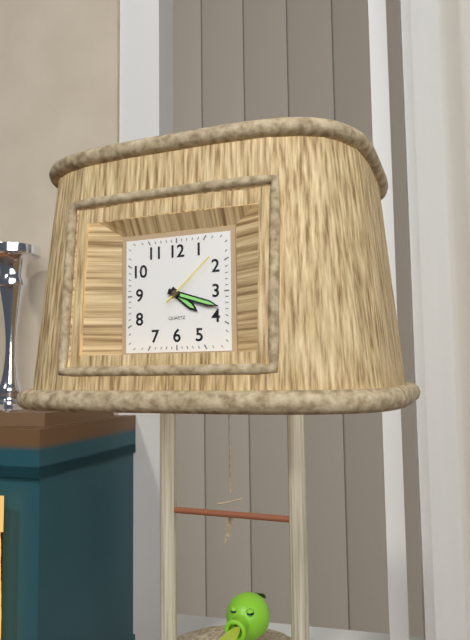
4:18:08
